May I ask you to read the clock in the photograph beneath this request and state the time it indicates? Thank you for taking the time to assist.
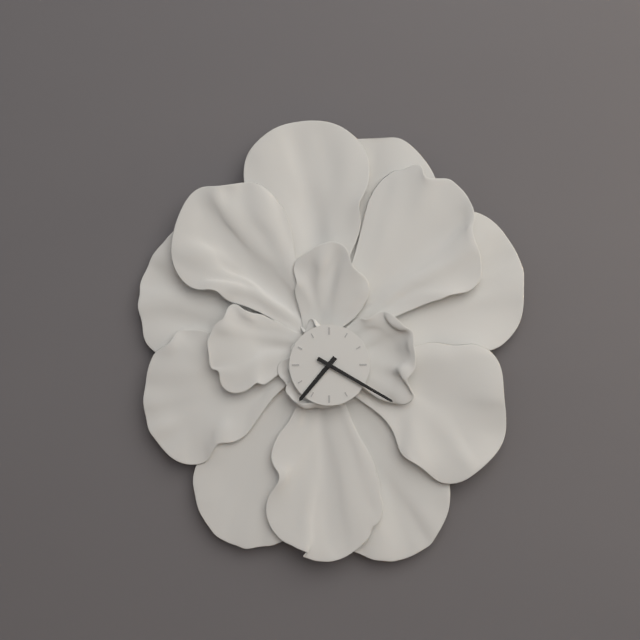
7:20
